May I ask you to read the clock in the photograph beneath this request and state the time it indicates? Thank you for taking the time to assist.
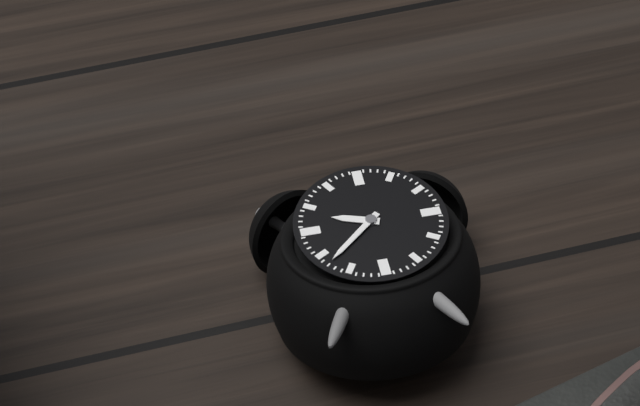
9:38
